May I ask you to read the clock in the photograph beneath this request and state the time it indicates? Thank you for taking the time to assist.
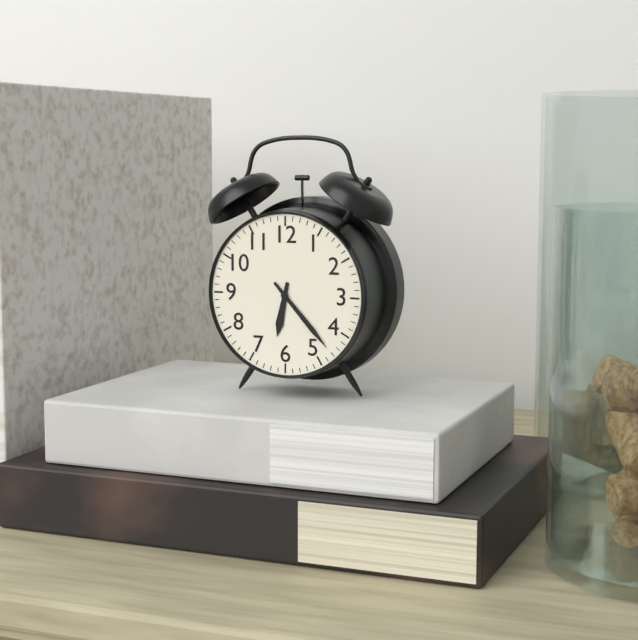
6:23
